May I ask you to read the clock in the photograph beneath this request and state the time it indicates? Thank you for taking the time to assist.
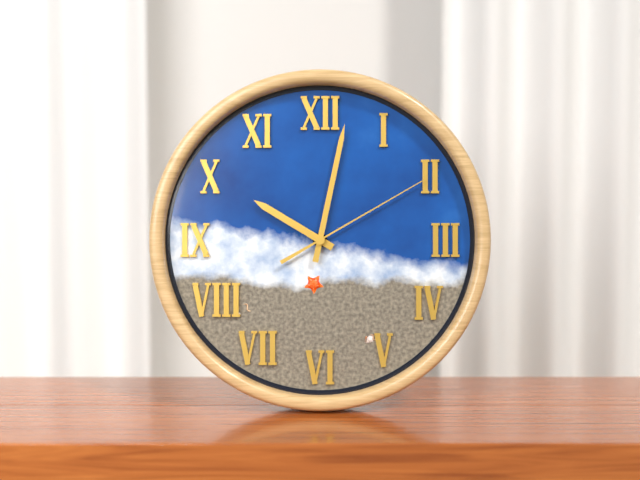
10:02:10
